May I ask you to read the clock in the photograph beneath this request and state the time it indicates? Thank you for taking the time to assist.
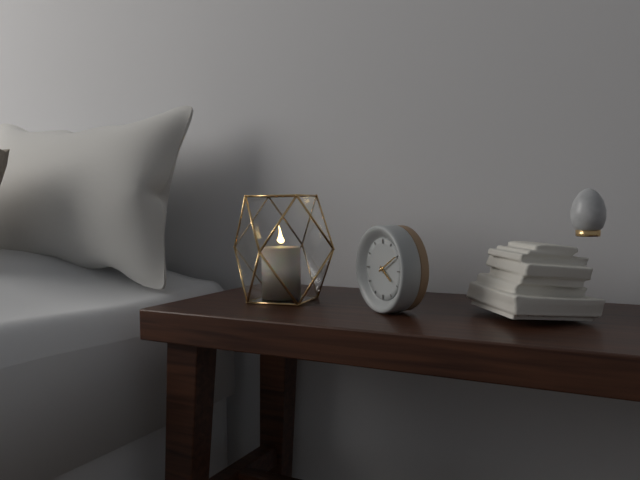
4:10
